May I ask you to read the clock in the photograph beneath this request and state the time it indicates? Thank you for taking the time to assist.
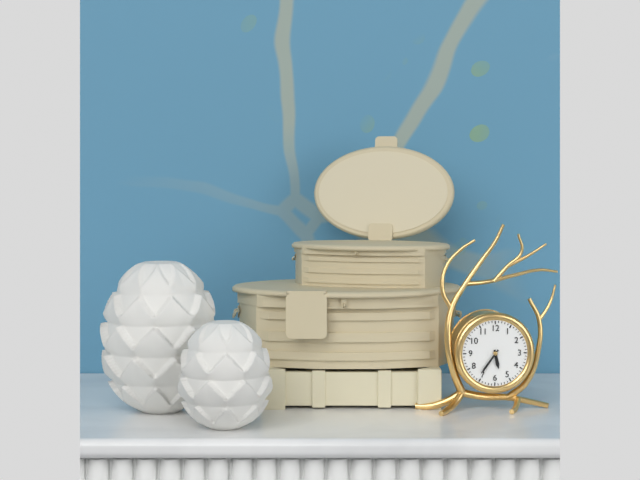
5:36
